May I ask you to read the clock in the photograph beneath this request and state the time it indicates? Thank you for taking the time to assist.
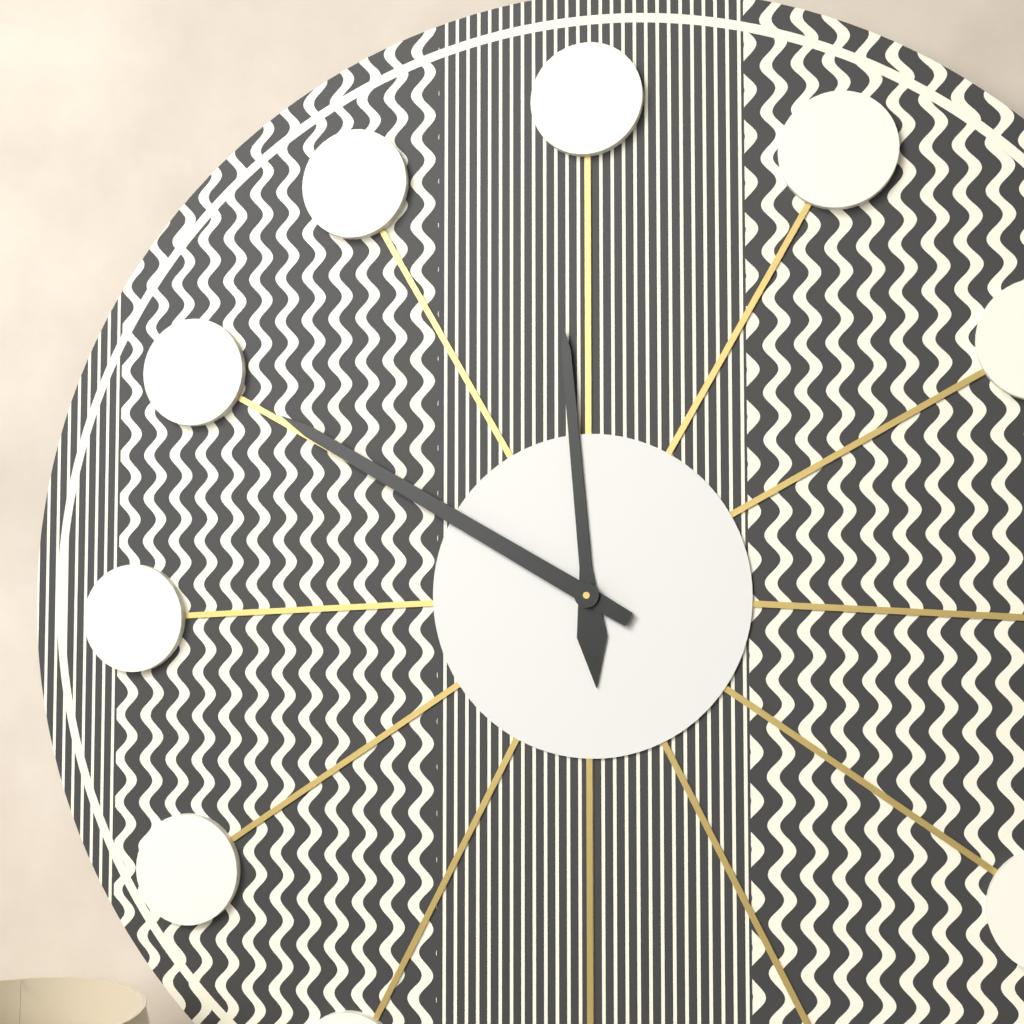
11:50
